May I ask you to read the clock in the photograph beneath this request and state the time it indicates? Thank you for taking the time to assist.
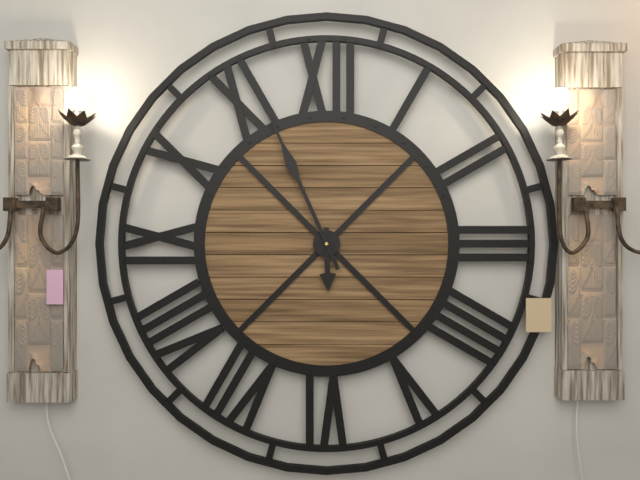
5:56
